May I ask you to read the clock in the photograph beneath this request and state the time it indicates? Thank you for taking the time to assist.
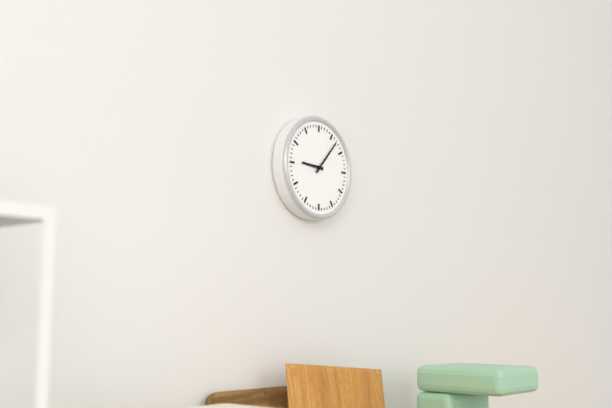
9:07
